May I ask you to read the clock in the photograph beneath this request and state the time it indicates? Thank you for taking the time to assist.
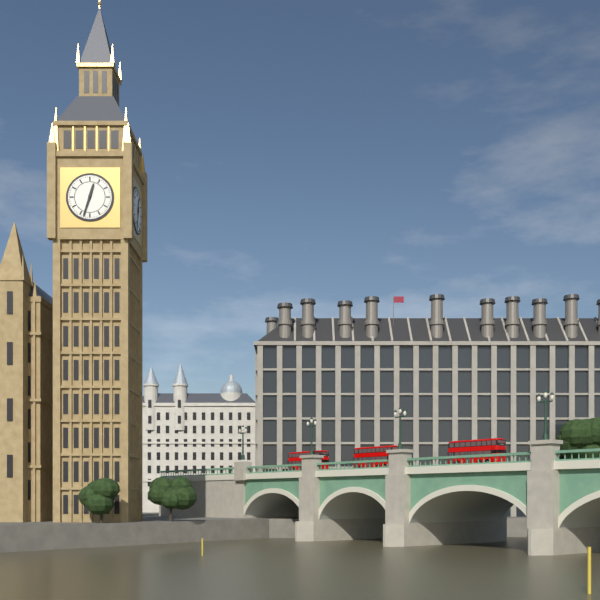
12:33
